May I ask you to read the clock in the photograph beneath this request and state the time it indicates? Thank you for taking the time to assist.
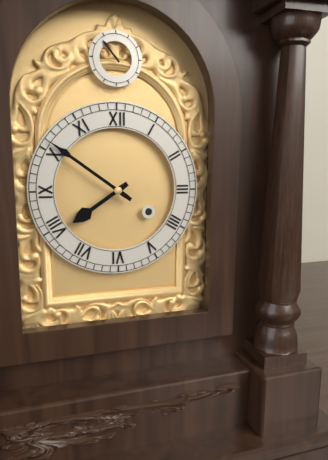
7:51
